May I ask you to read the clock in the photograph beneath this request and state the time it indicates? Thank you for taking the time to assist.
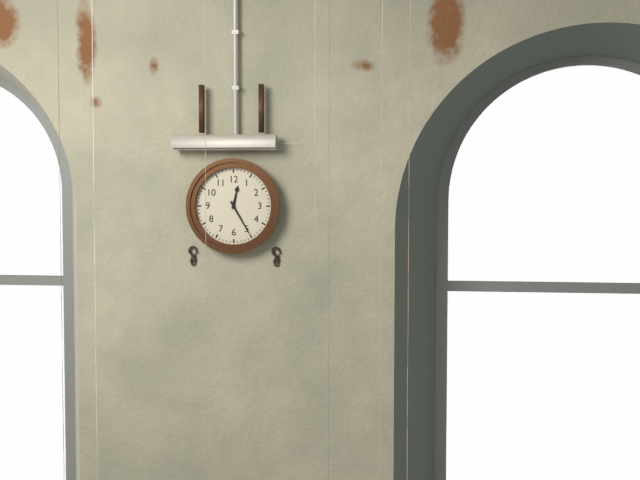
12:25
